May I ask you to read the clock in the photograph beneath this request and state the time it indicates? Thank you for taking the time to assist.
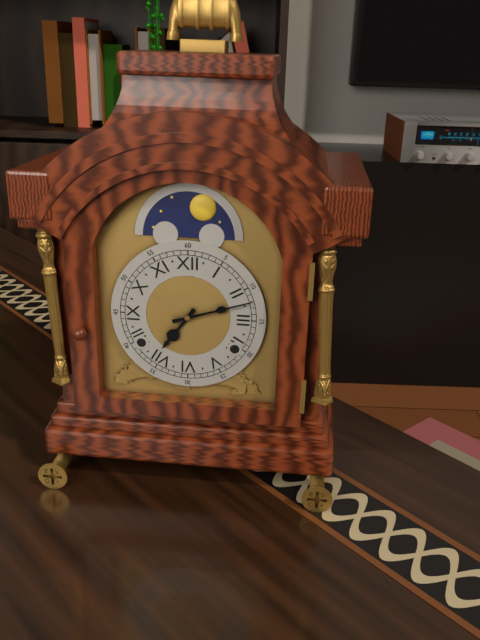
7:12
